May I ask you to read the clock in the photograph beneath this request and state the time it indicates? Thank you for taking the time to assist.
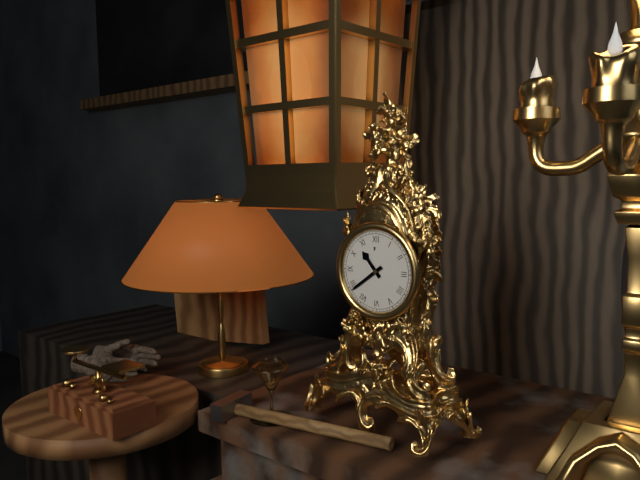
10:39
